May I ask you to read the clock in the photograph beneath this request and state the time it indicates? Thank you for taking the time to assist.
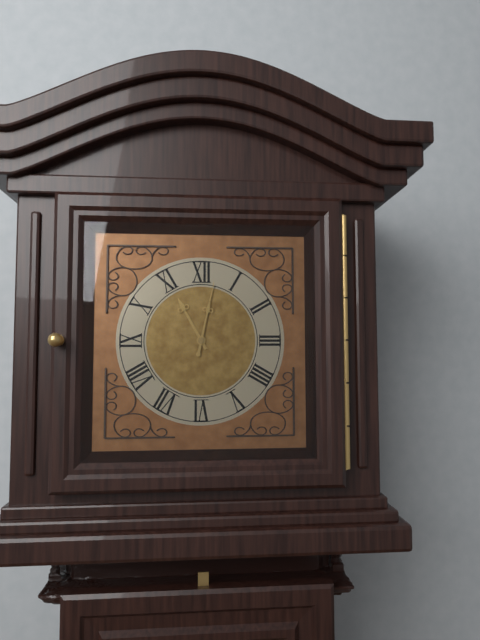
11:02
